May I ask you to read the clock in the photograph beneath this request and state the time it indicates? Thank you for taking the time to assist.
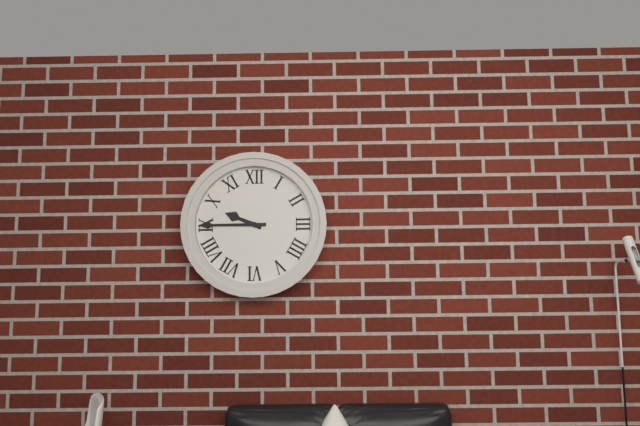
9:45
